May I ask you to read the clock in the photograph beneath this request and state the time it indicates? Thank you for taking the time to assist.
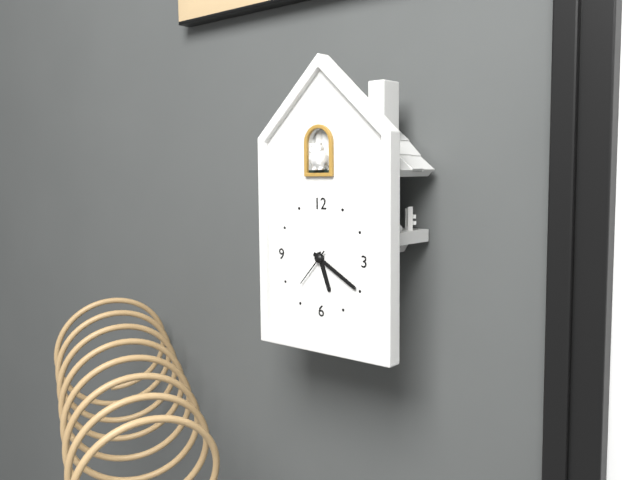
5:20:37
